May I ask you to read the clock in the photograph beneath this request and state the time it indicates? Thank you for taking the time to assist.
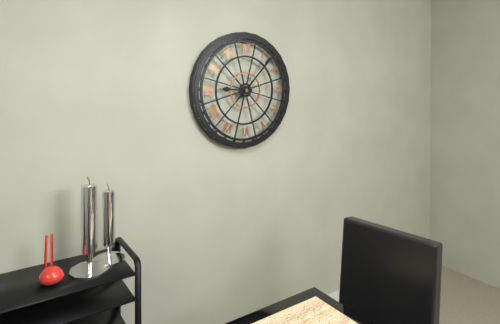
9:07
